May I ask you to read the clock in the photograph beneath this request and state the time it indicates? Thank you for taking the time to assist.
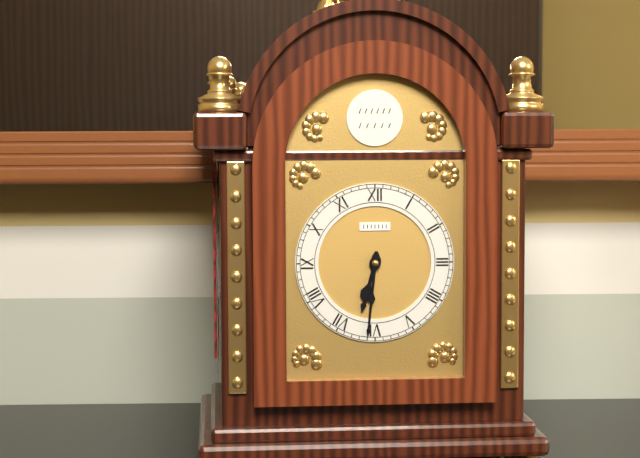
6:31
